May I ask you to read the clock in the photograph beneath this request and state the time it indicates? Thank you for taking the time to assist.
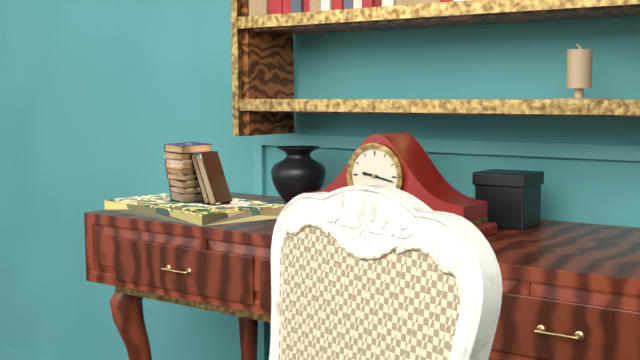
9:17
